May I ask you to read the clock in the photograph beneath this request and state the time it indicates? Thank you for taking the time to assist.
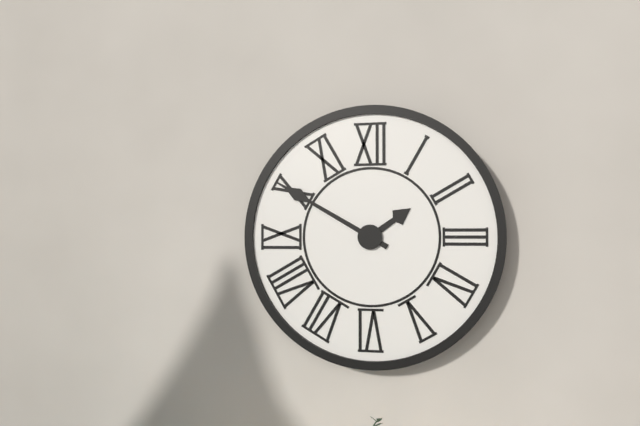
1:50
